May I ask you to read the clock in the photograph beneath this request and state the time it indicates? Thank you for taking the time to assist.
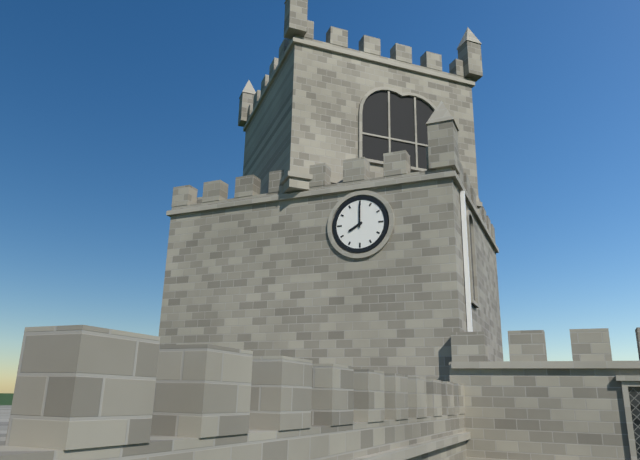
8:00
